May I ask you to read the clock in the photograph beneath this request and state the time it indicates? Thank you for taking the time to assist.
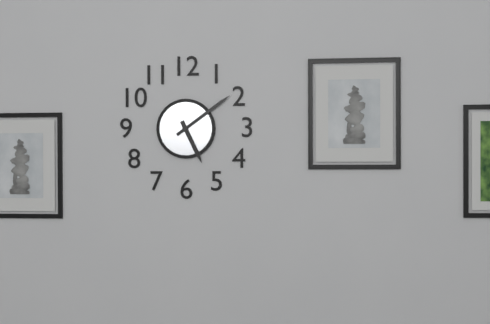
5:09
